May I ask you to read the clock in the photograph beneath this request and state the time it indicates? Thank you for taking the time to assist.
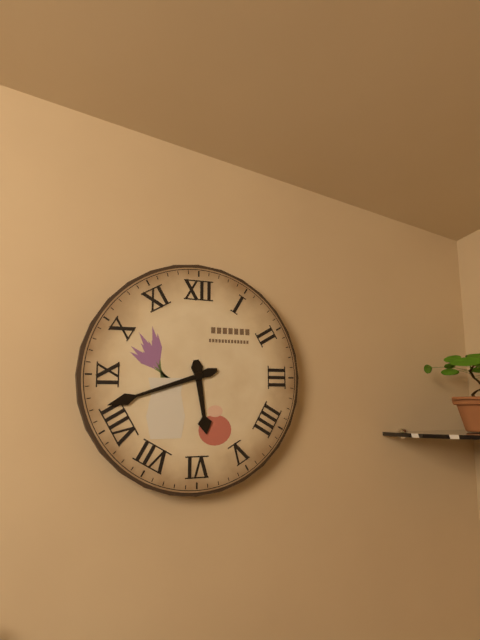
5:42
